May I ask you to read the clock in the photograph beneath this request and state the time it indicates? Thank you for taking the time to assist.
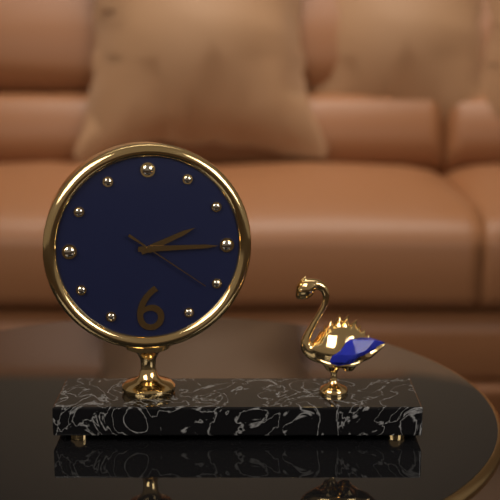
2:15:21
